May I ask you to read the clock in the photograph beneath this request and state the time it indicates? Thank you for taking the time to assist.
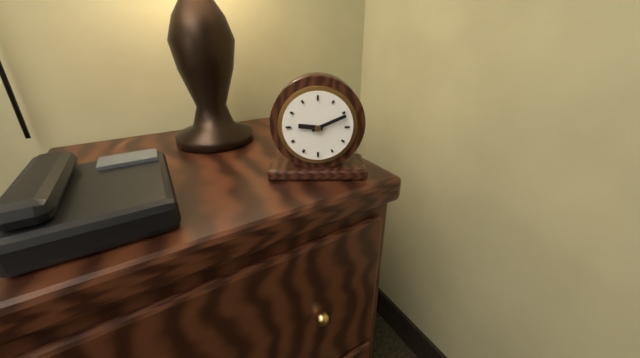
9:11
